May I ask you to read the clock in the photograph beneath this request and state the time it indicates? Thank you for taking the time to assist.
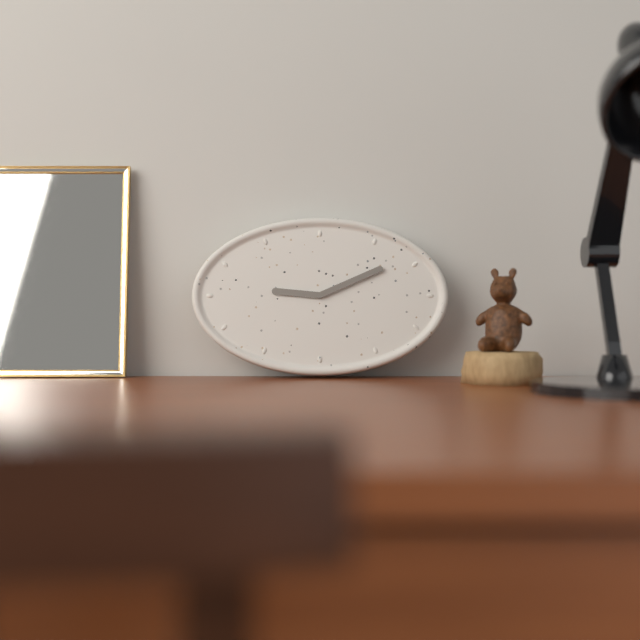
9:11
